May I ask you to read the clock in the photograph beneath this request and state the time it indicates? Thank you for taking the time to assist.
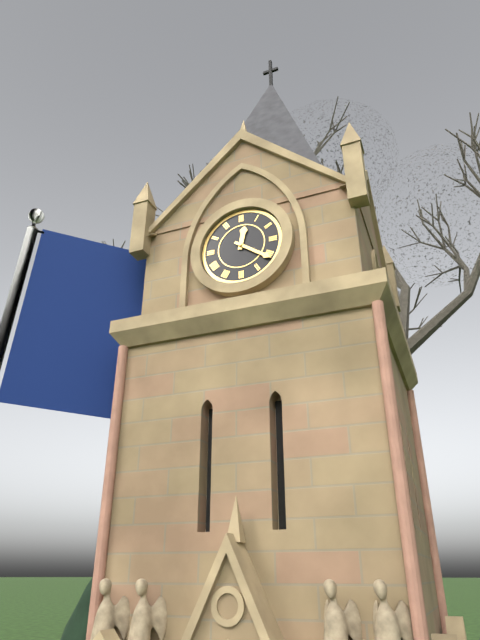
12:21
